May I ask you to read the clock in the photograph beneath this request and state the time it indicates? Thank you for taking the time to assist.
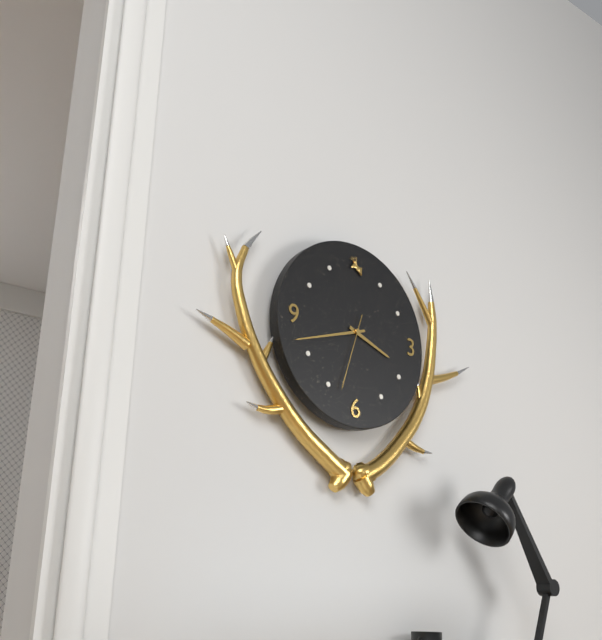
3:42:33
